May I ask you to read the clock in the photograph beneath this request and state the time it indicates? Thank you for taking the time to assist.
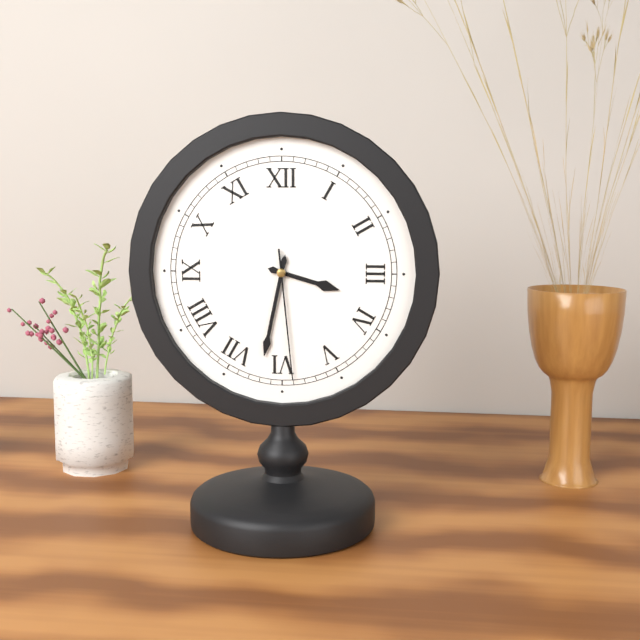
3:32:29
